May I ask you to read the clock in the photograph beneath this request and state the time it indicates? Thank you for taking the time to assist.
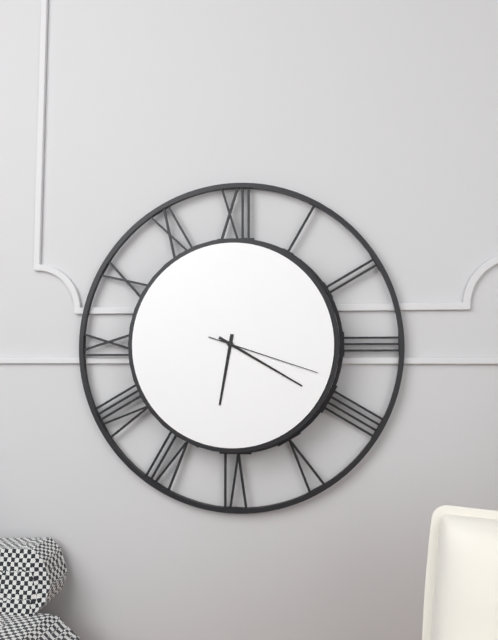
6:20:18
